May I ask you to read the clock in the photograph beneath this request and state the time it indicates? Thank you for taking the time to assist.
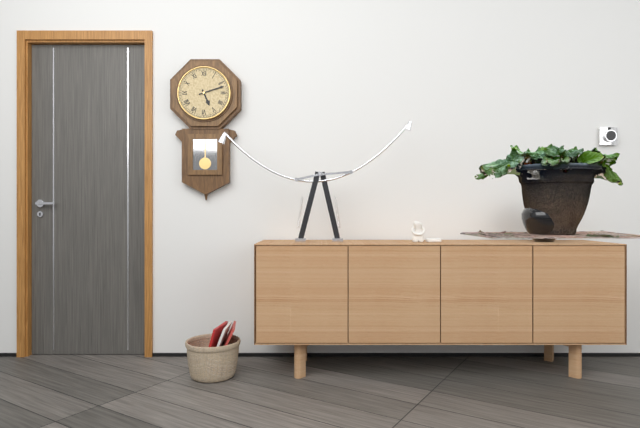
5:12
